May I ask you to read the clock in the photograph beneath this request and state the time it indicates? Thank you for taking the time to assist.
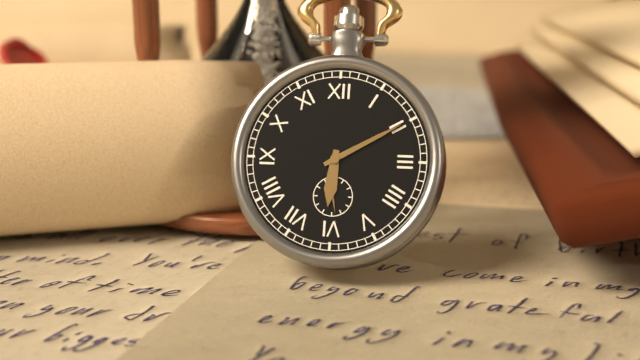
6:10
